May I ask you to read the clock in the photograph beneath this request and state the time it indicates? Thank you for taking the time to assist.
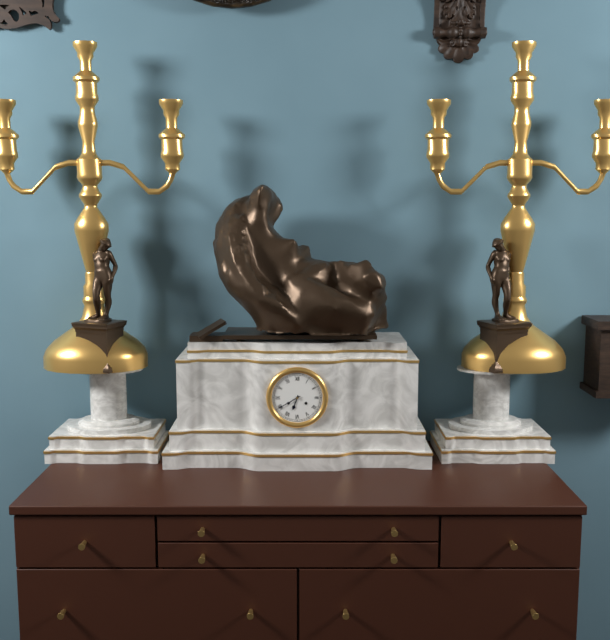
6:40
